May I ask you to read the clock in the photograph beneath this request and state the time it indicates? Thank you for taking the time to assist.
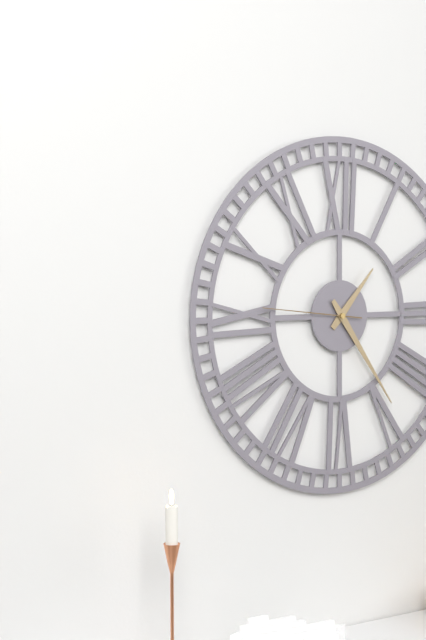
1:24:46
